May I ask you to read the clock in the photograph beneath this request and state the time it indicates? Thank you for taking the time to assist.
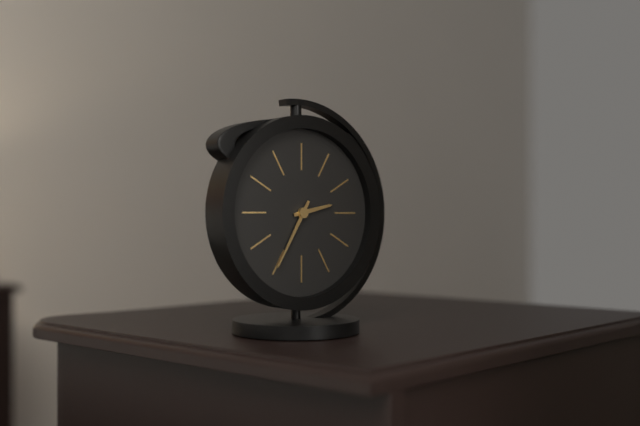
2:35
